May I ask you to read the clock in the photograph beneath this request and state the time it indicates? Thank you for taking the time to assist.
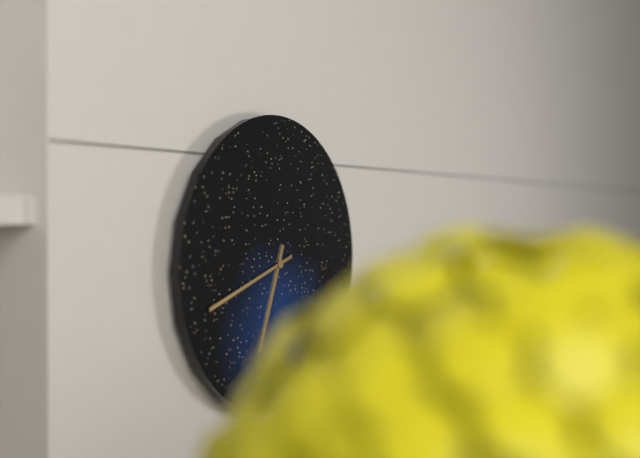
6:42
